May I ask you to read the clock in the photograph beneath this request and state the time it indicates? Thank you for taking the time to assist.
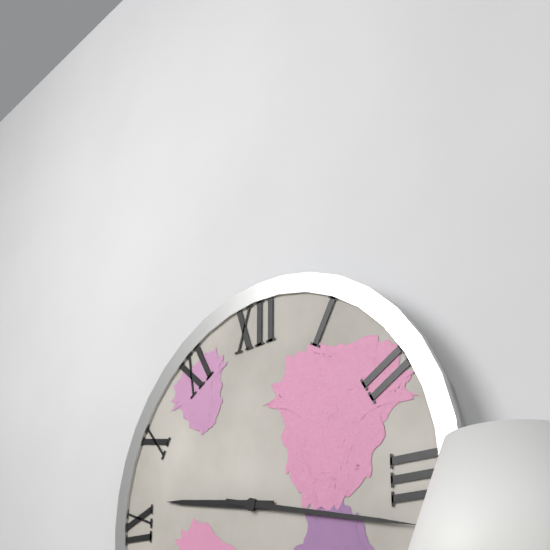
9:17
